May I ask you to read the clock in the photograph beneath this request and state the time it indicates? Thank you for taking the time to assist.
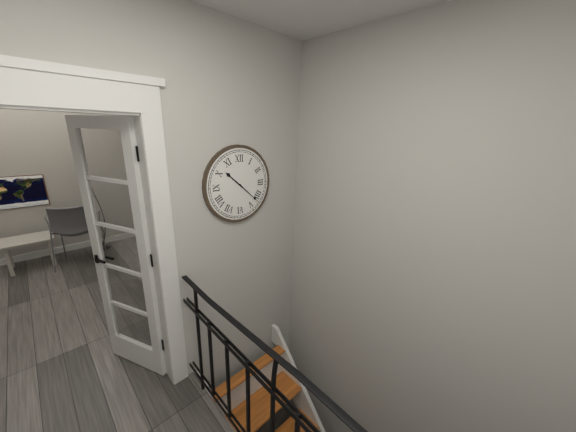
10:22
